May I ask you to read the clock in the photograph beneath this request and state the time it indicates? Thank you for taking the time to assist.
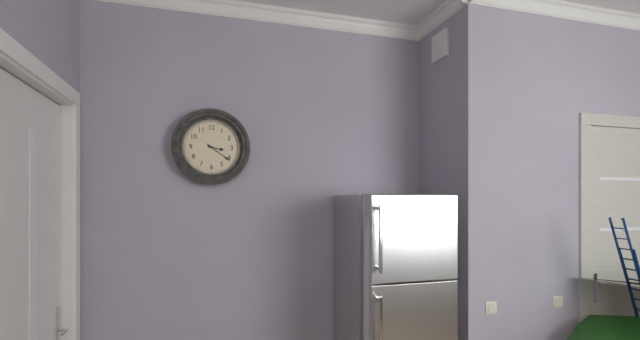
3:21
